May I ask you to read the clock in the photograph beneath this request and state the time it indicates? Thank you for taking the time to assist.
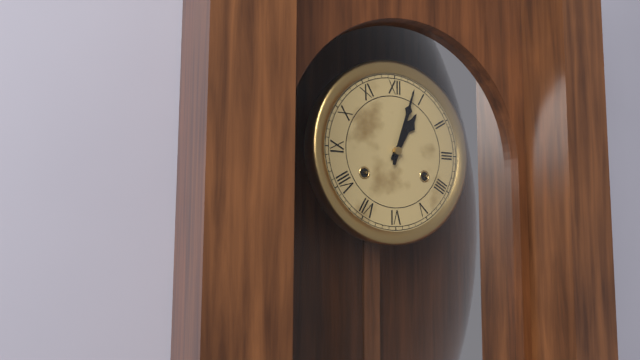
1:03
